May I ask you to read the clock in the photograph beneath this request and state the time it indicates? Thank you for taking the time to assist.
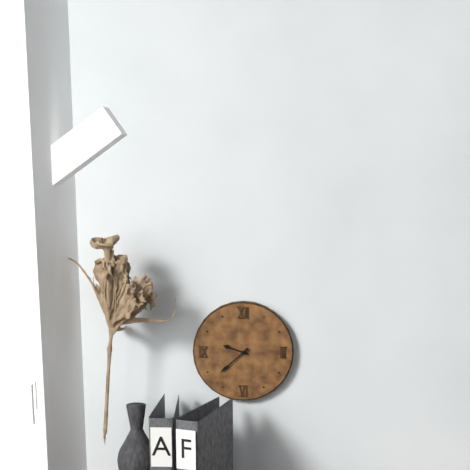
9:38
